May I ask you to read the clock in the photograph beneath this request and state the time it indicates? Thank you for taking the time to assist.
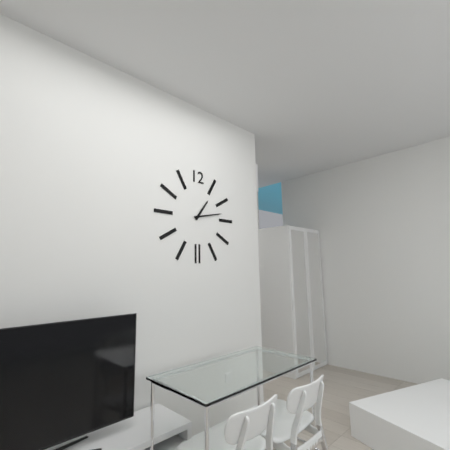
1:13
